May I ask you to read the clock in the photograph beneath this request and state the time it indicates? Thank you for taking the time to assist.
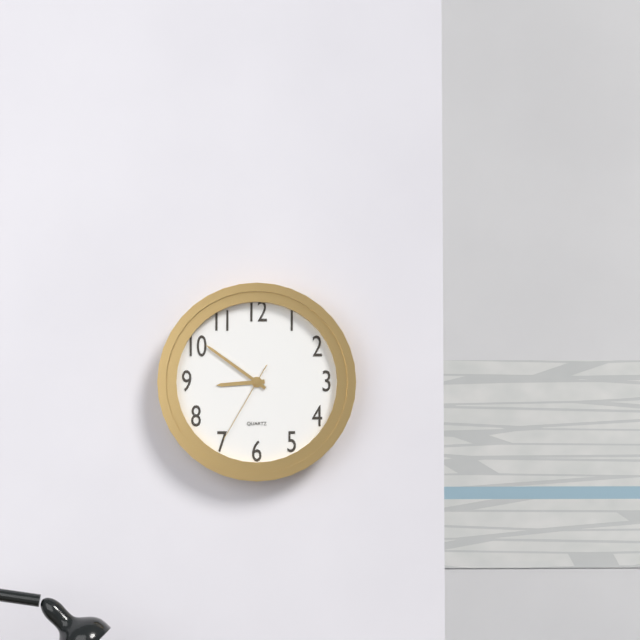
8:51:35
